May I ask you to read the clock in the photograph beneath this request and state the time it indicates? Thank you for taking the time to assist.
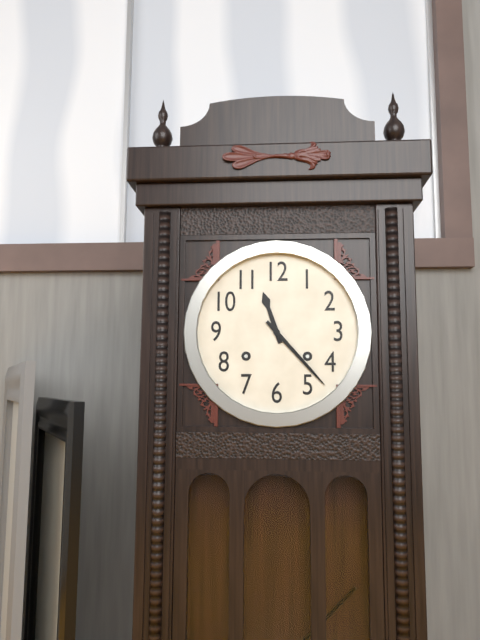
11:23
